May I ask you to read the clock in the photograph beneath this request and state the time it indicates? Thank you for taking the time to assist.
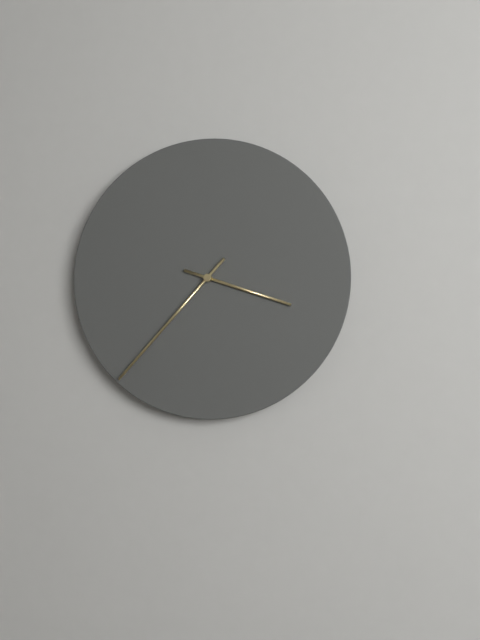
3:37
